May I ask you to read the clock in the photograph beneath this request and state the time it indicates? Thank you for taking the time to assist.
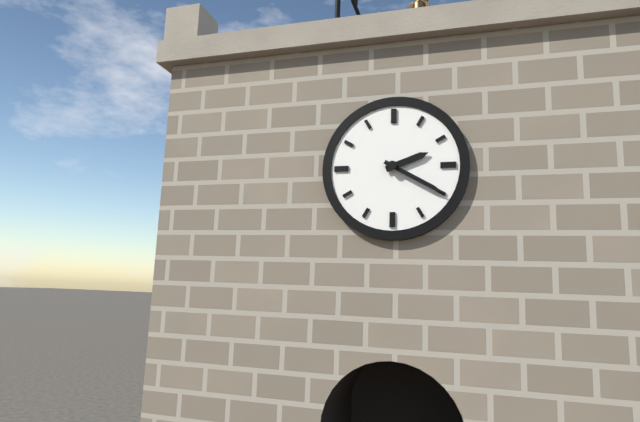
2:20
